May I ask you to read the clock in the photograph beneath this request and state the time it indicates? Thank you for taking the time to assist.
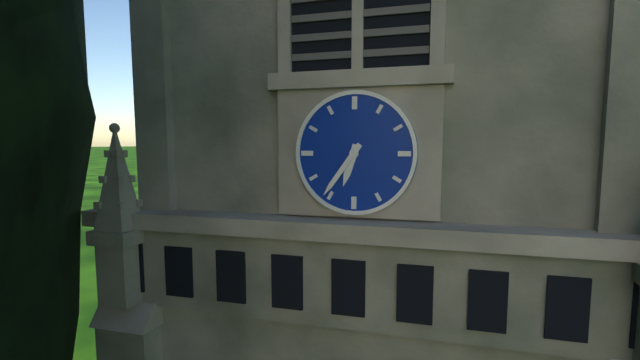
6:36
